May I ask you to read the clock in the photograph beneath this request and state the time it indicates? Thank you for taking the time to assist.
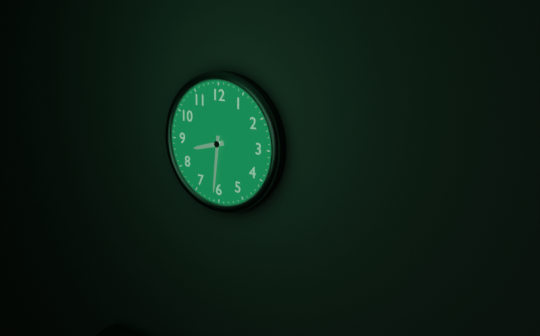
8:31
